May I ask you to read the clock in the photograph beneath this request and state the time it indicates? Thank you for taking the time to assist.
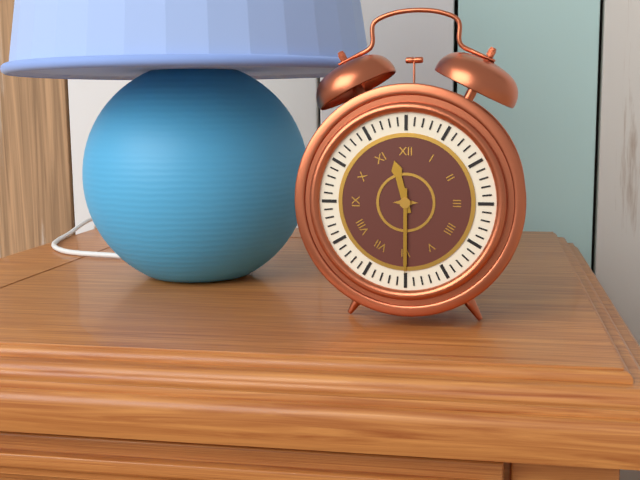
11:30
